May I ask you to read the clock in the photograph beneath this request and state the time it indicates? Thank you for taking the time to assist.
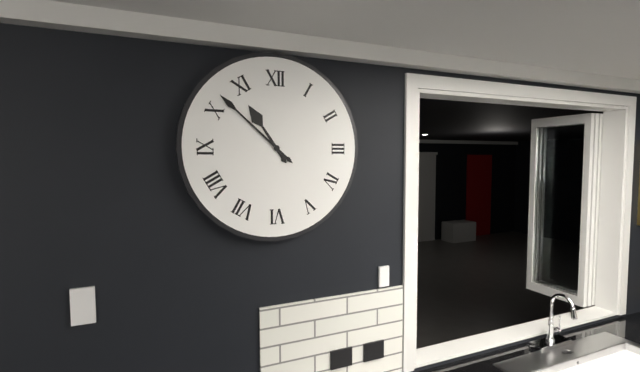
10:52
